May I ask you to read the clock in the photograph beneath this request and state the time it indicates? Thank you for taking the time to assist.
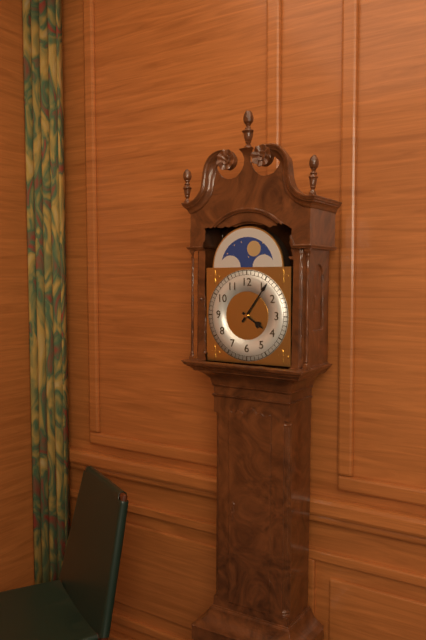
4:06
